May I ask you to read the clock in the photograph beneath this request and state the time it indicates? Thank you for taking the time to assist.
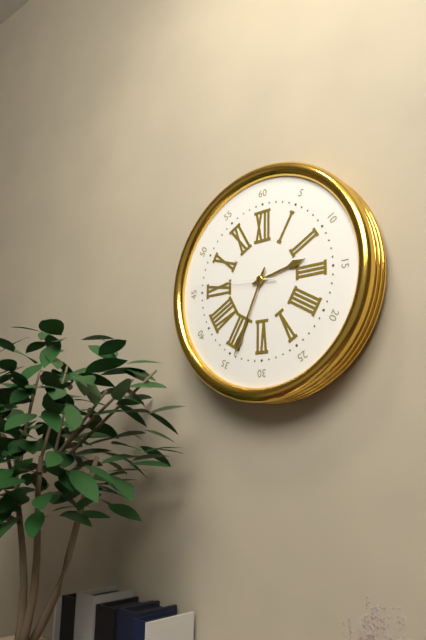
2:34:46
